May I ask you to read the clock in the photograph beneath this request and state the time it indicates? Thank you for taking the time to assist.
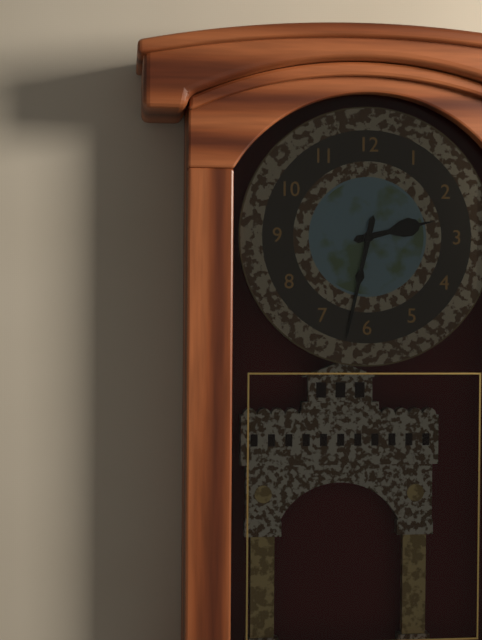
2:32
